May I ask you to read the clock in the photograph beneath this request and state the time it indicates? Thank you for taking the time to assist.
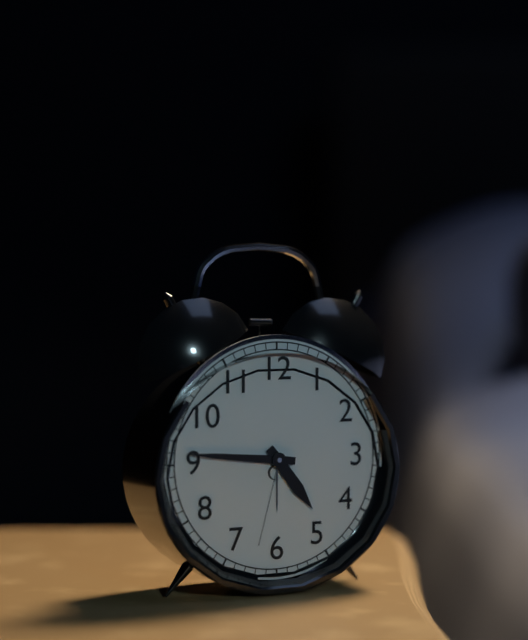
4:46
